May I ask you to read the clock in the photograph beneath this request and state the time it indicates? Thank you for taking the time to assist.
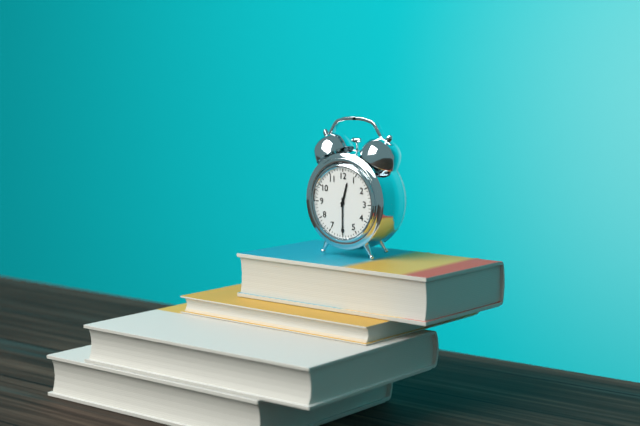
12:30
